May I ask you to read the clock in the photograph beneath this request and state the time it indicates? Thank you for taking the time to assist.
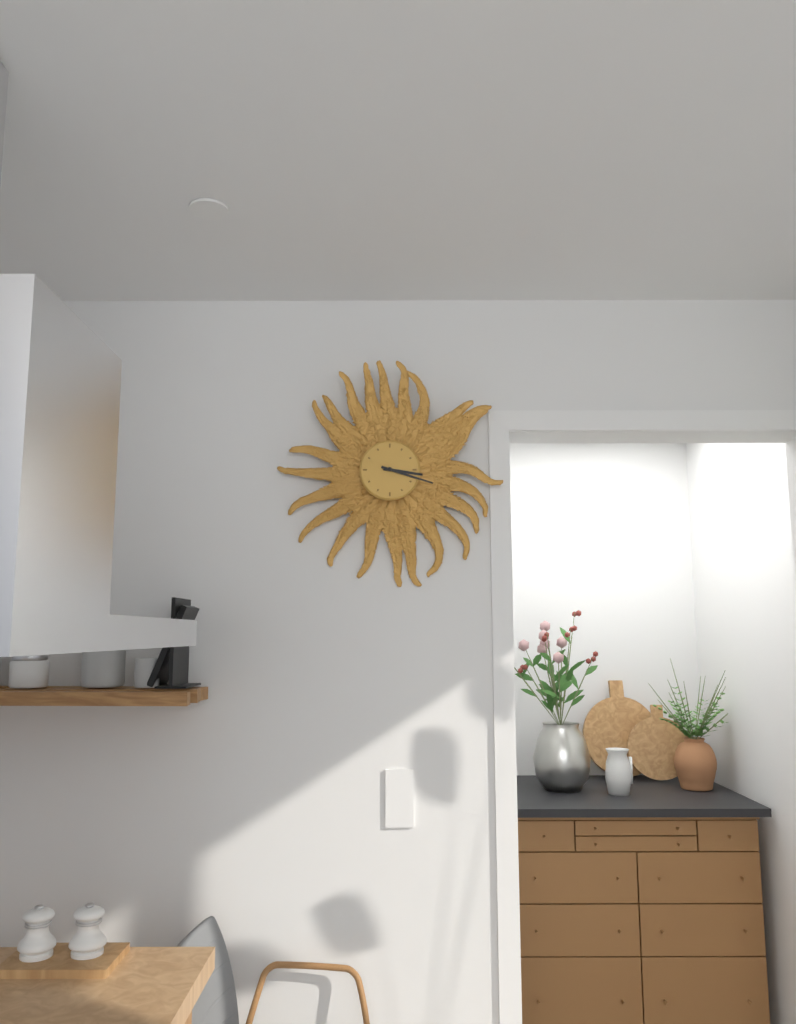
3:18
